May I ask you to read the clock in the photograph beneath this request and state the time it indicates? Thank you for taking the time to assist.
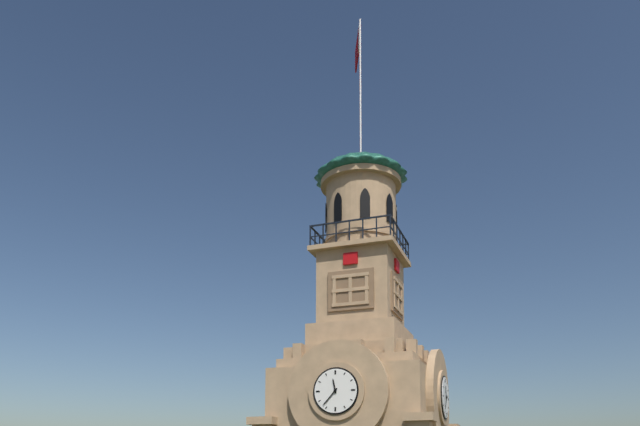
11:37
